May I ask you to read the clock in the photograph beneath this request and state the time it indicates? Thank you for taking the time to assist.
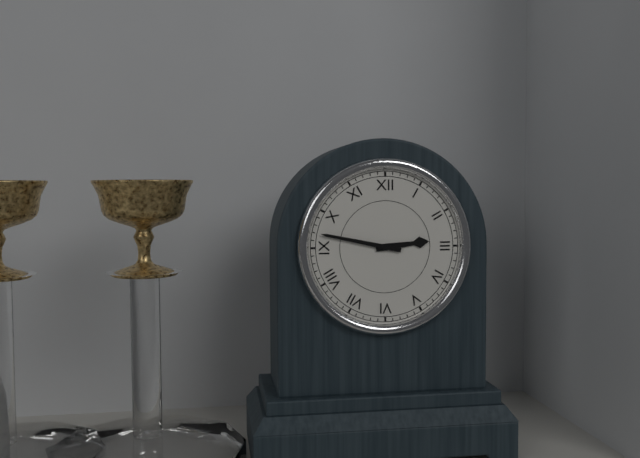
2:47
